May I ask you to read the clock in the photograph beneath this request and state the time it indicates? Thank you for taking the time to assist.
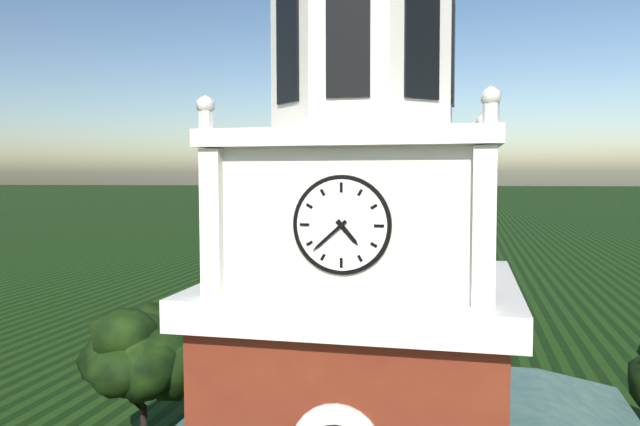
4:38
